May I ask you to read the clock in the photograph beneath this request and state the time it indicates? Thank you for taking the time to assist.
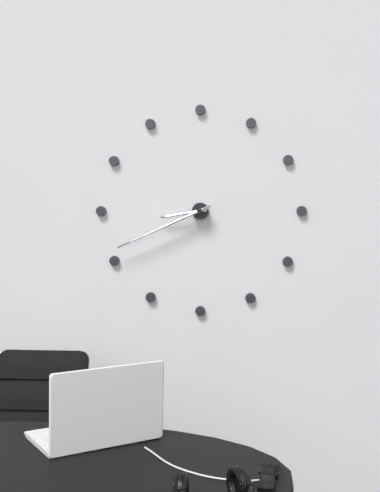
8:41
